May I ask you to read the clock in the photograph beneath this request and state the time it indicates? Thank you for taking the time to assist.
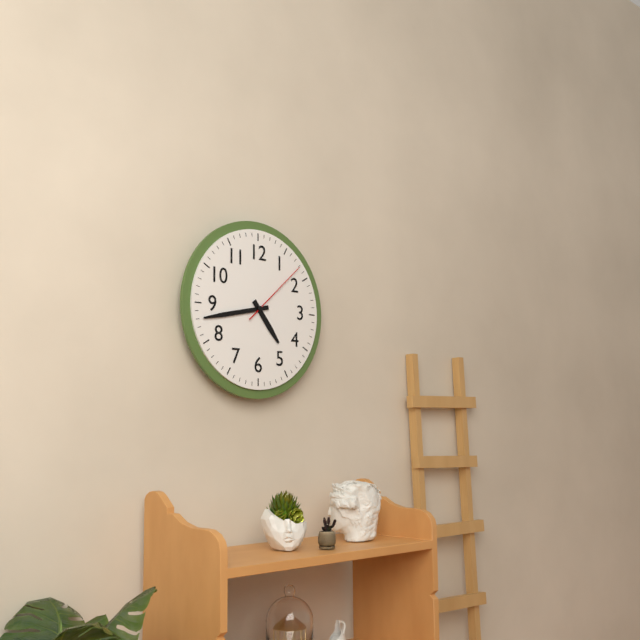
4:43:08
